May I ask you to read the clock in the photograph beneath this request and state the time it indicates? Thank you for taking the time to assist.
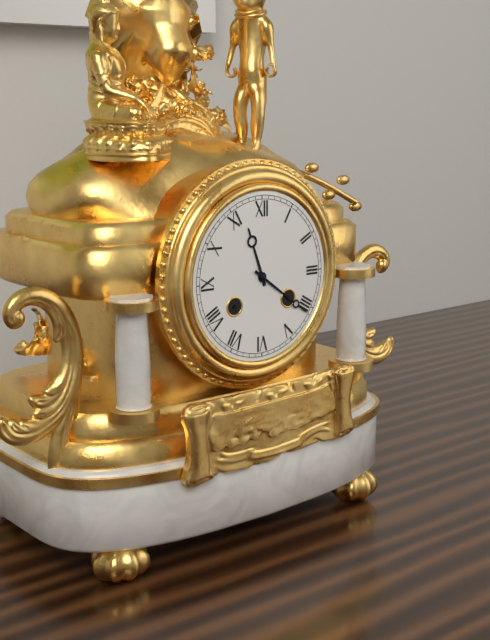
11:21
